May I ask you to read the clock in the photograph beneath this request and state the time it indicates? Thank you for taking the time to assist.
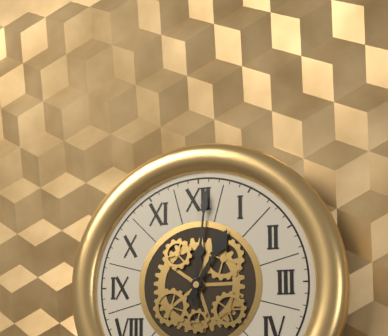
1:01
